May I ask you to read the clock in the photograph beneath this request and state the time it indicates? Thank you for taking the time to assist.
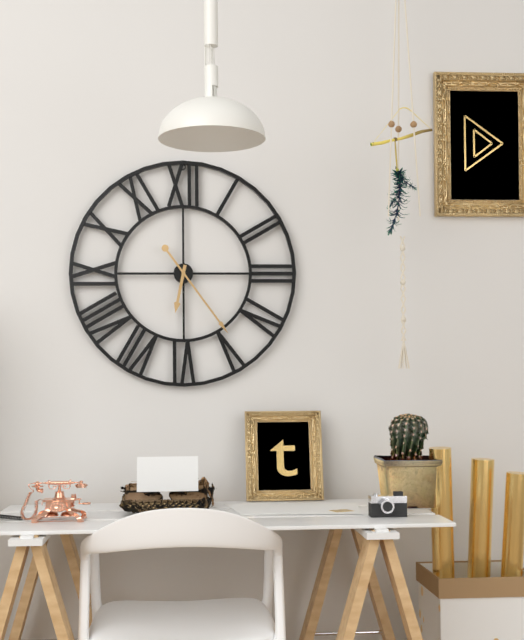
6:24
